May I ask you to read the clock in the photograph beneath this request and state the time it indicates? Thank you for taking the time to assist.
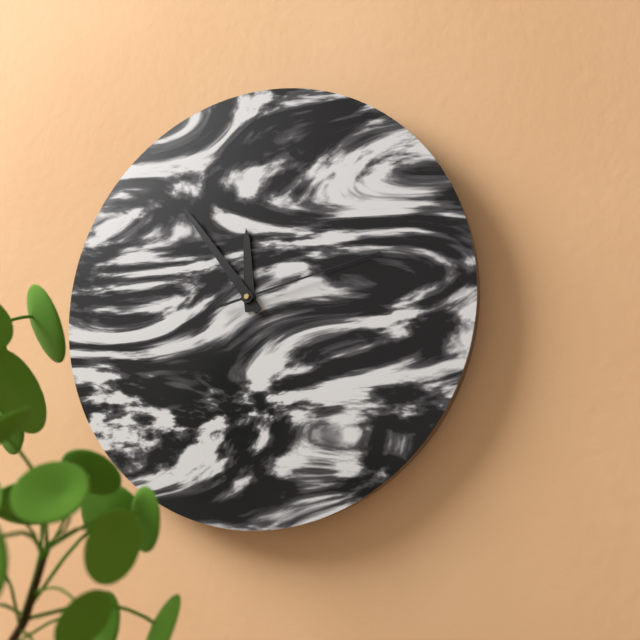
11:54:13
